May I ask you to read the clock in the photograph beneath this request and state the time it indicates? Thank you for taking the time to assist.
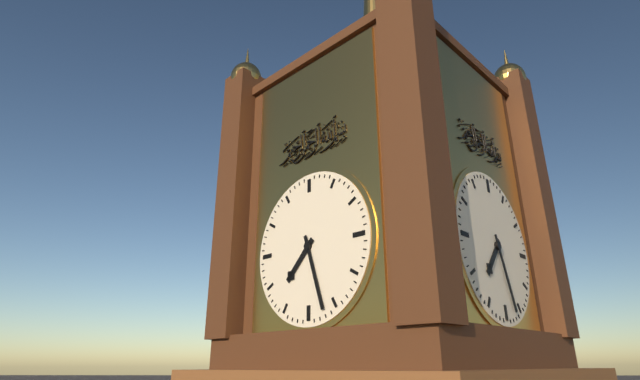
7:27
